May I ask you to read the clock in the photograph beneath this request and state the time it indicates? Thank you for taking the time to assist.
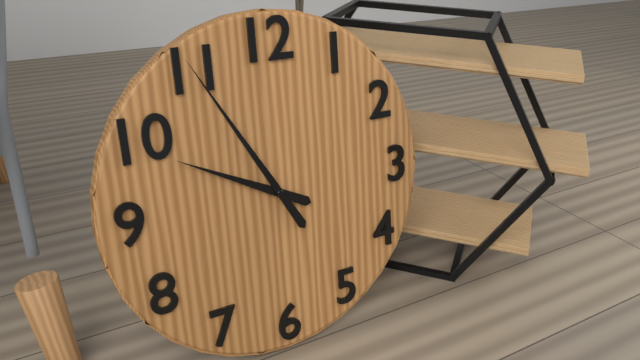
9:55
